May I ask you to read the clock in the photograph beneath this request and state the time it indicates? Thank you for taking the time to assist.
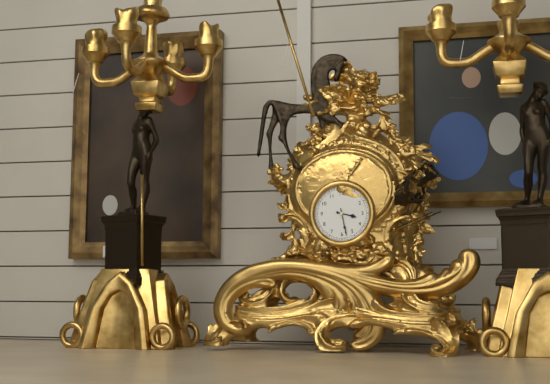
3:28
